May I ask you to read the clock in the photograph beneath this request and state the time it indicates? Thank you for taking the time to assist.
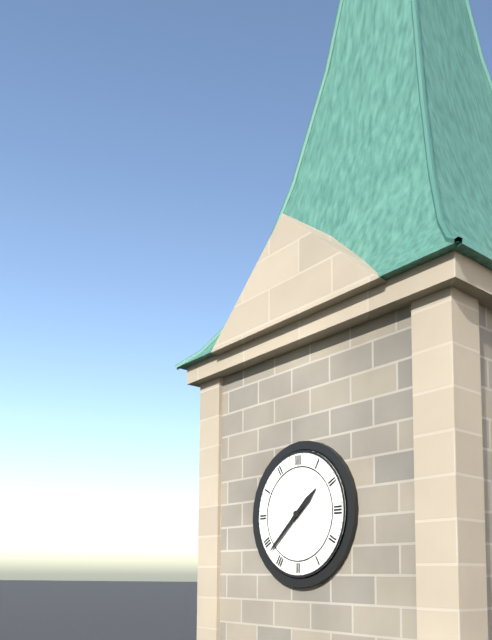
1:38
